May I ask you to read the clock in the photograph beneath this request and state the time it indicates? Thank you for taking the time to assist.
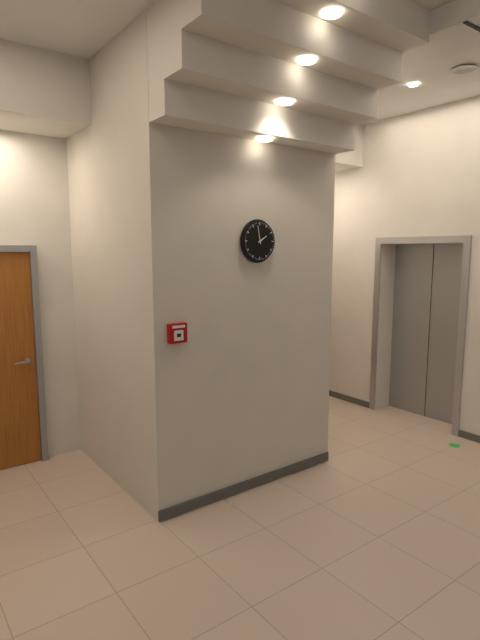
1:58
